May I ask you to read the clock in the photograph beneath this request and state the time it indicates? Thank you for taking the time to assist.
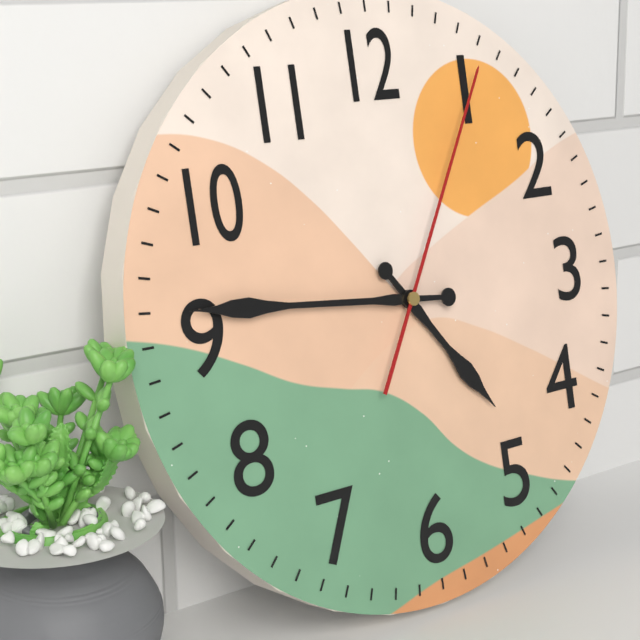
4:46:05
